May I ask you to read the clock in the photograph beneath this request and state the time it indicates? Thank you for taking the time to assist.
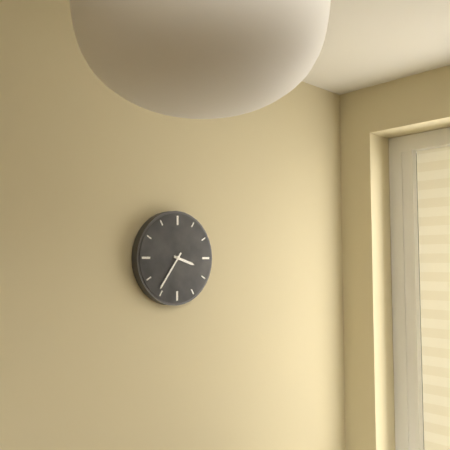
3:36
